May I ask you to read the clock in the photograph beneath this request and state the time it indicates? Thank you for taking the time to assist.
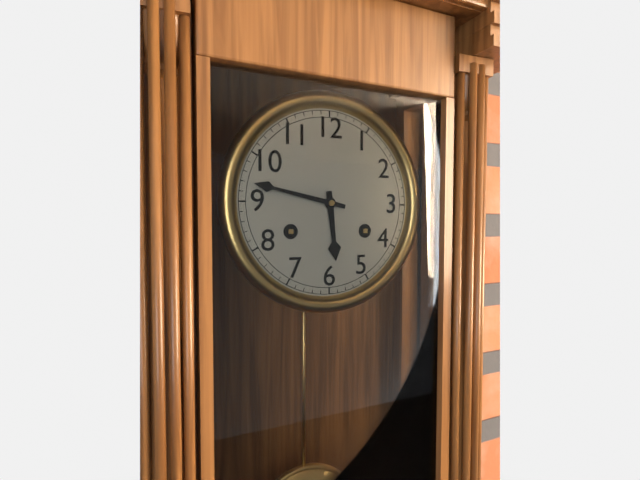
5:47
